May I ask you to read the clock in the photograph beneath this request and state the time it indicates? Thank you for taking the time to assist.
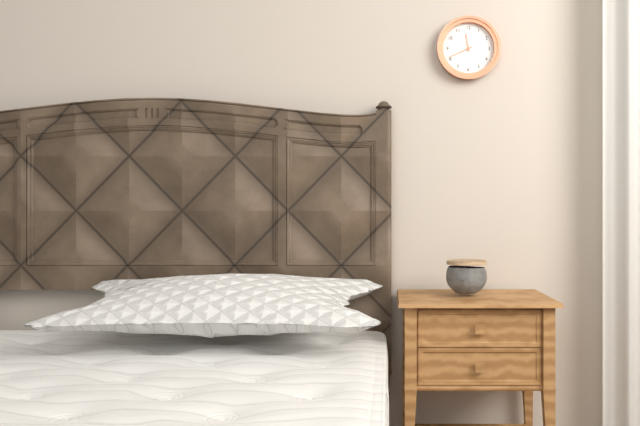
11:41
